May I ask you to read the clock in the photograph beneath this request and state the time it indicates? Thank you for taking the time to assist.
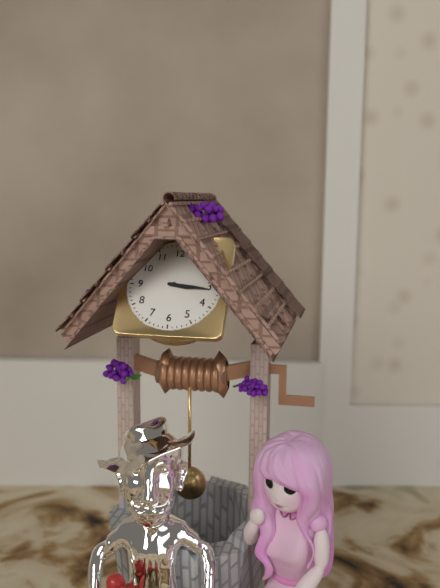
3:16
